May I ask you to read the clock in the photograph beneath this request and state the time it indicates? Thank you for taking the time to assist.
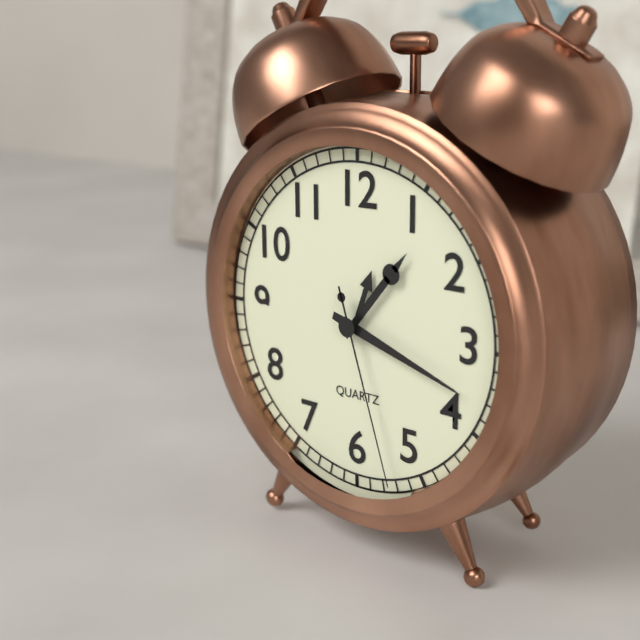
1:18:27
